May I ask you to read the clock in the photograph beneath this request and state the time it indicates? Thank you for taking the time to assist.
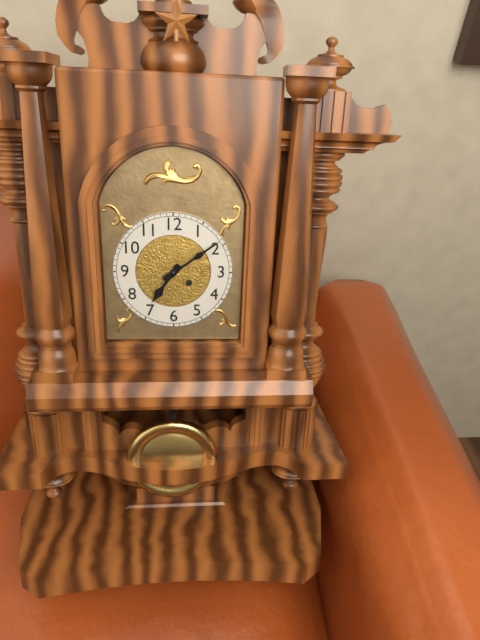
7:09
